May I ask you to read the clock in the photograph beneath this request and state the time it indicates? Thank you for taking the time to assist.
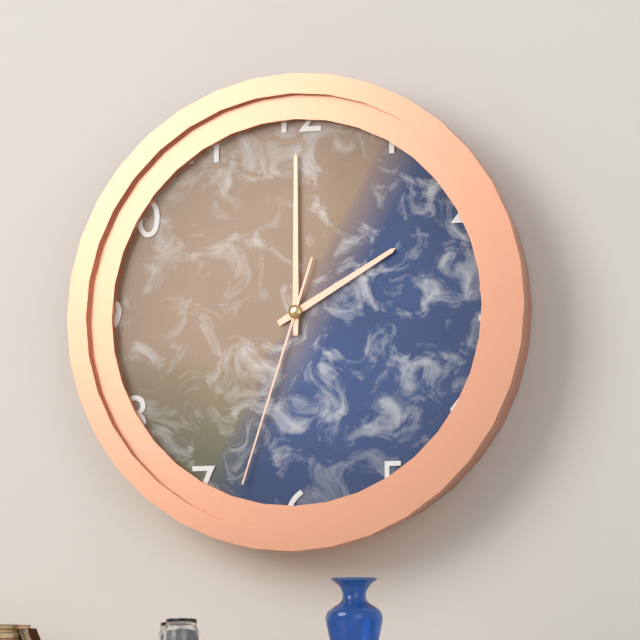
2:00:33
